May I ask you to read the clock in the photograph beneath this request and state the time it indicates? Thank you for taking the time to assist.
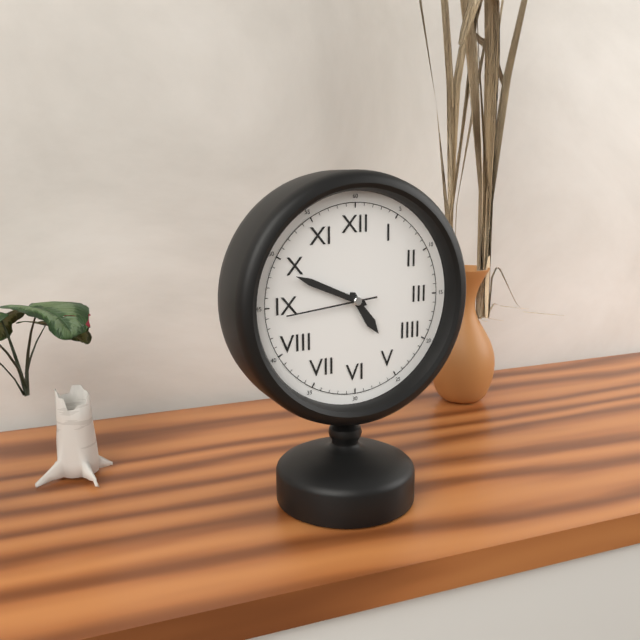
4:49:44
